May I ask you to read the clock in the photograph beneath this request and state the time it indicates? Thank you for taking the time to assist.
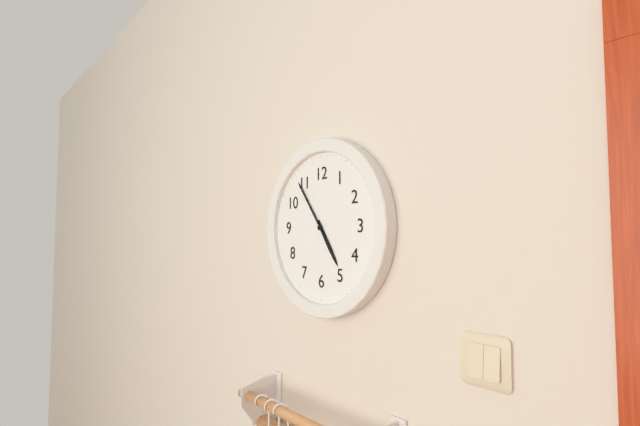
4:54
